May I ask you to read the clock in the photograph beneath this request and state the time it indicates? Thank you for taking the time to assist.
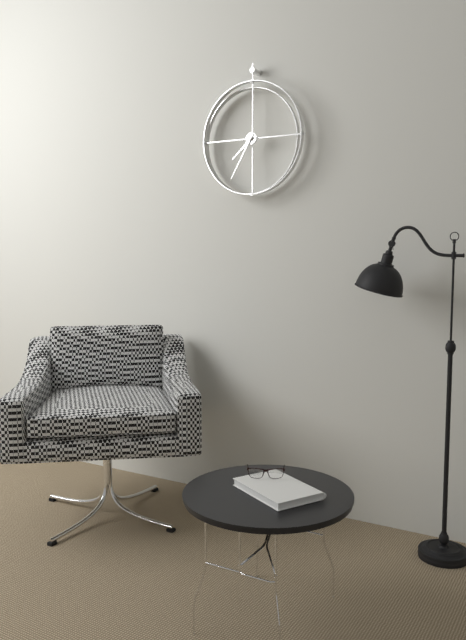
7:35
